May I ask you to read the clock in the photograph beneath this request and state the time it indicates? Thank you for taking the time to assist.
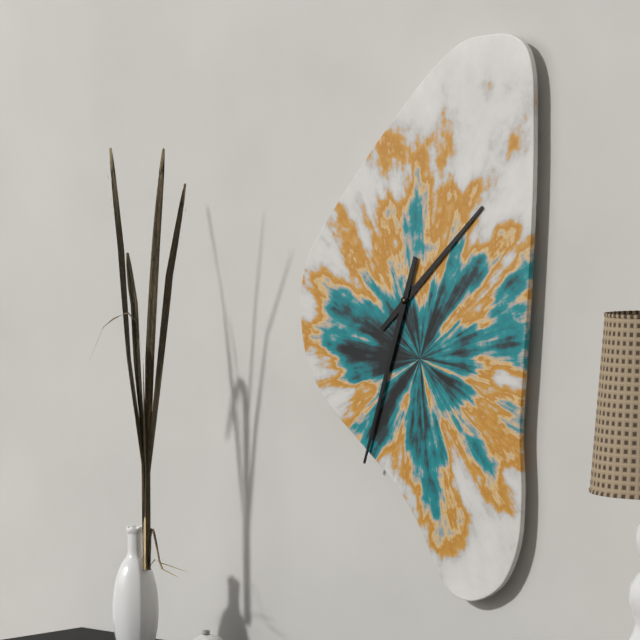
1:33
